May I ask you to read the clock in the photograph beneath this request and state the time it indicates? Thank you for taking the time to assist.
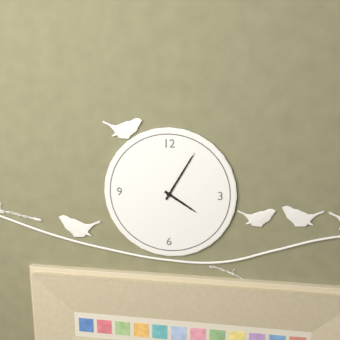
4:05
